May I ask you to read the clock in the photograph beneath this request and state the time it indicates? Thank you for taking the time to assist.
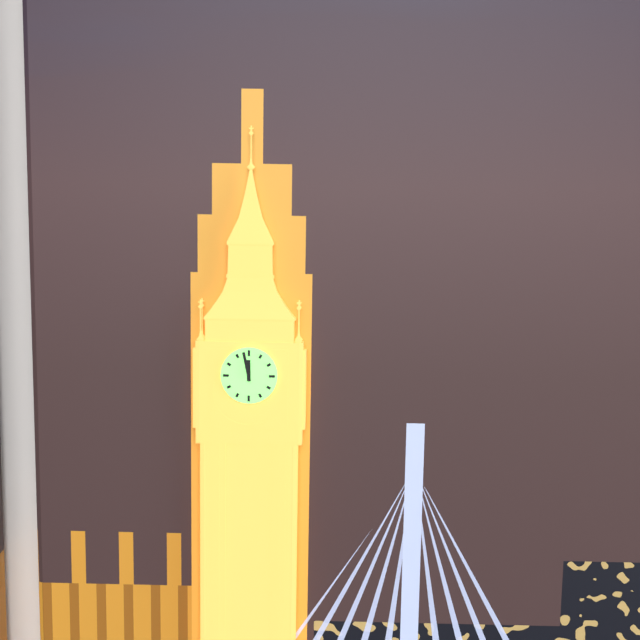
11:58
